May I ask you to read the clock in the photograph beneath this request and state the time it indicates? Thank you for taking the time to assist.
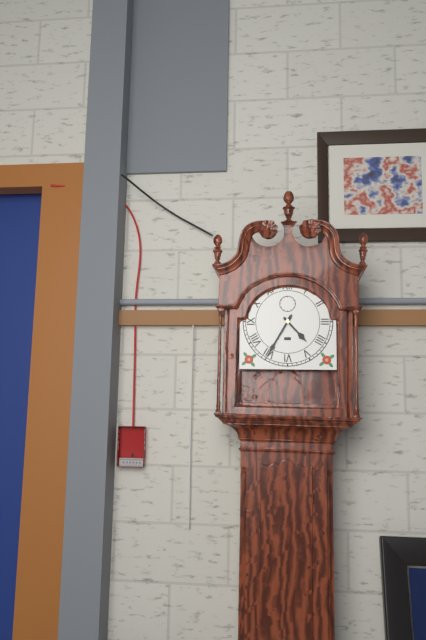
4:35
